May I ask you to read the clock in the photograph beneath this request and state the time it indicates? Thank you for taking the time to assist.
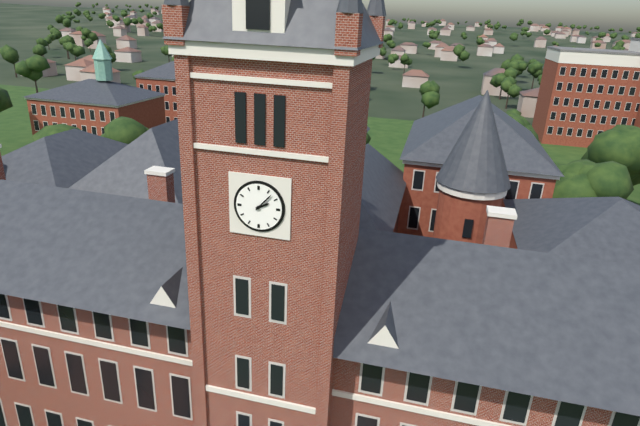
2:07
